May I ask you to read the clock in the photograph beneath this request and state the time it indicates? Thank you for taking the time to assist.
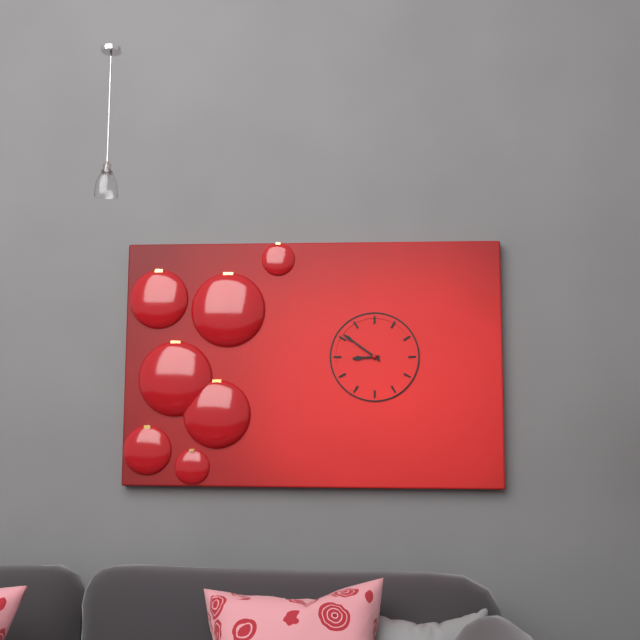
8:51
